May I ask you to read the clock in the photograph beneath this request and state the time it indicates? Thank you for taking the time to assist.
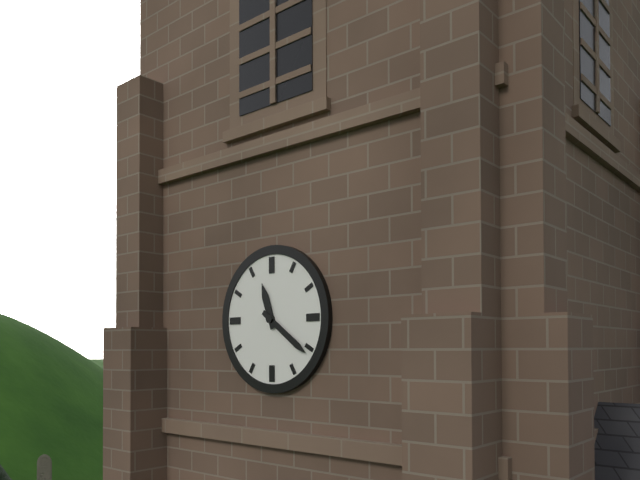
11:21
